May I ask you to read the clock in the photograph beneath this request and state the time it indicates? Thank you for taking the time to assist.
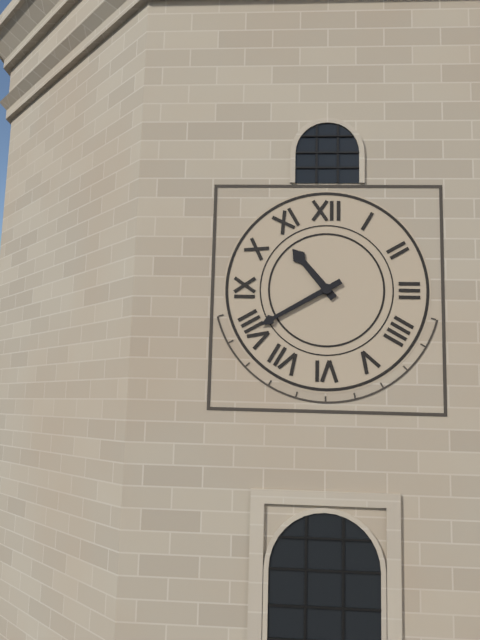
10:40
